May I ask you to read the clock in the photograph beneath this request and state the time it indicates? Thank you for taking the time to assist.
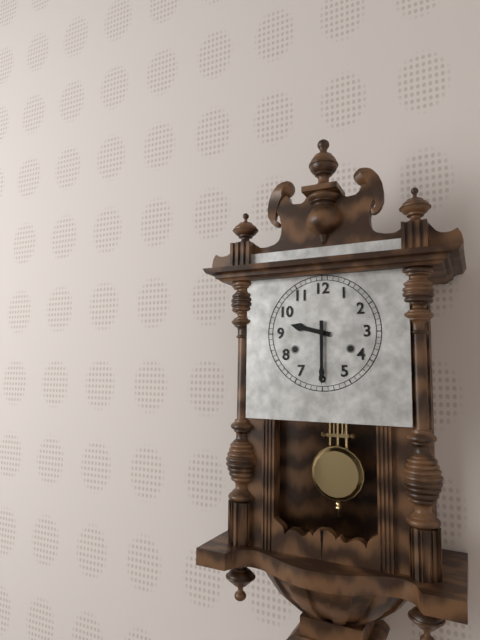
9:30
